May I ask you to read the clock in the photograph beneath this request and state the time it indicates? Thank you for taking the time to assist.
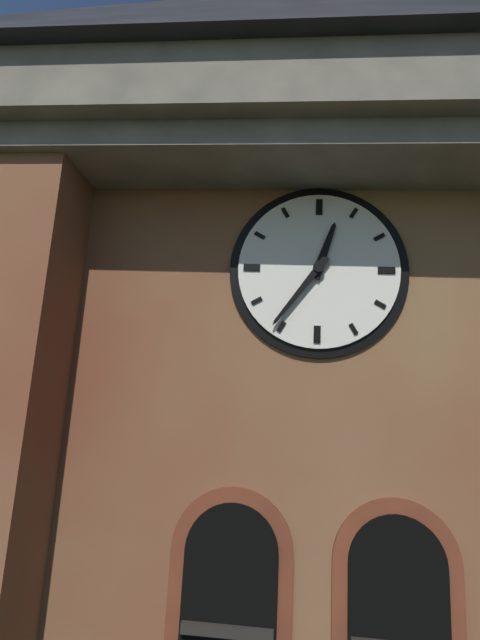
12:36
